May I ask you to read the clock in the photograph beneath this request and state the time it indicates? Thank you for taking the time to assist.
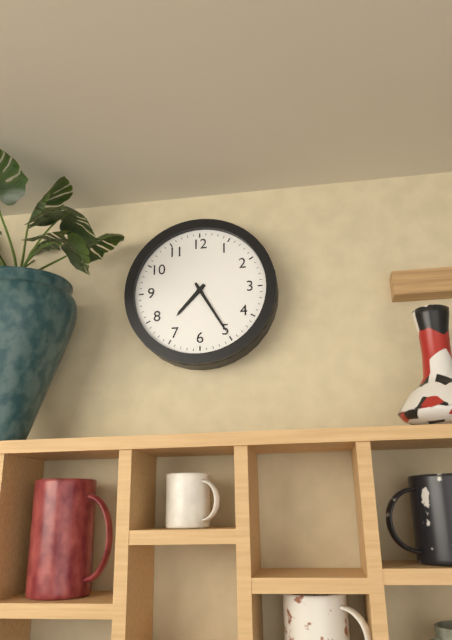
7:25
